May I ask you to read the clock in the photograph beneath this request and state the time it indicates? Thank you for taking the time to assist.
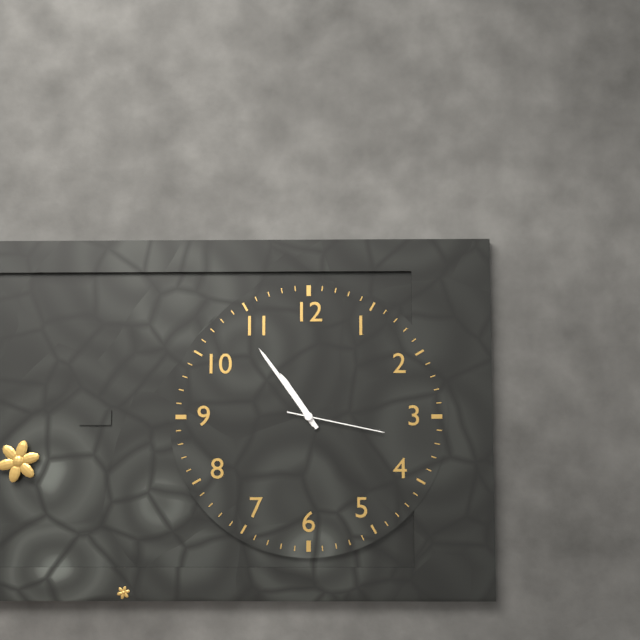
10:54:17
